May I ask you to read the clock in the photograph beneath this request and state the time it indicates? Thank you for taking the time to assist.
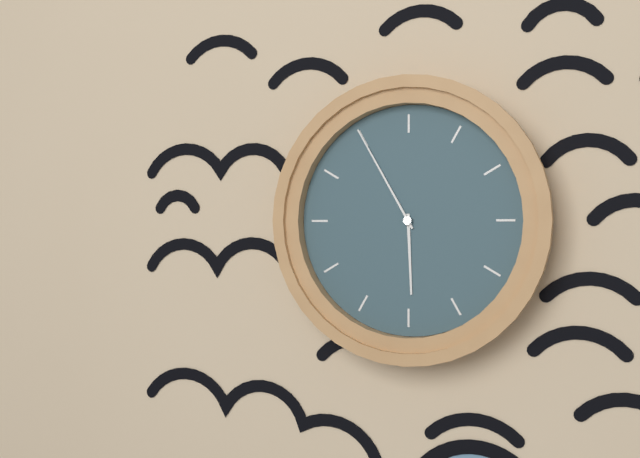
5:55
